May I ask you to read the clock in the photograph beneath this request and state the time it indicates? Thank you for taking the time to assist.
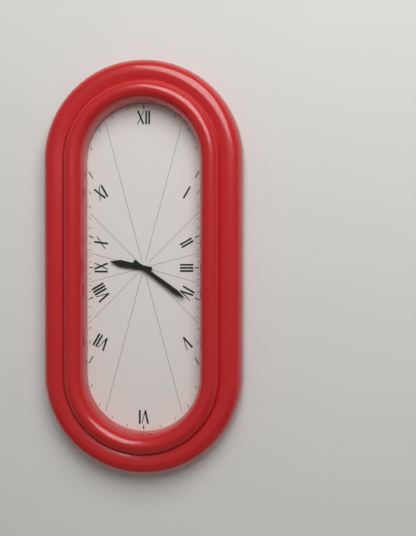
9:21
